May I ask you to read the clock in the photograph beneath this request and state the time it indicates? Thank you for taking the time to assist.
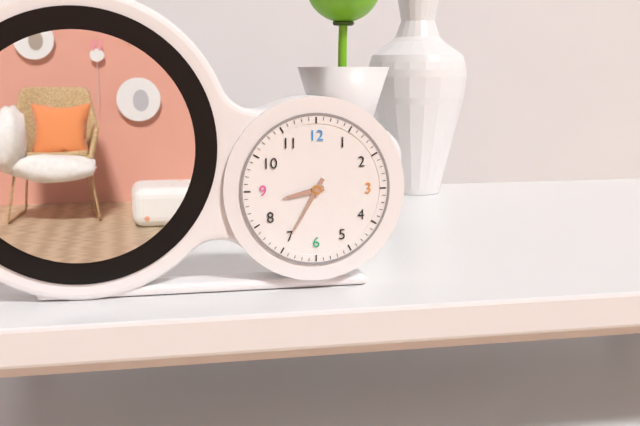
8:35
